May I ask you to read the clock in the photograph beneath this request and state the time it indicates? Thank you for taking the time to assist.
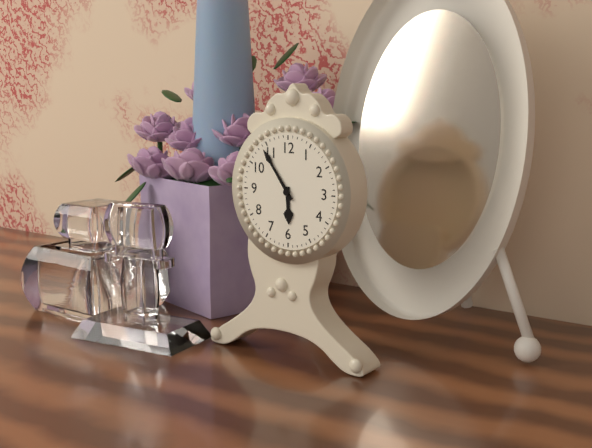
5:54
